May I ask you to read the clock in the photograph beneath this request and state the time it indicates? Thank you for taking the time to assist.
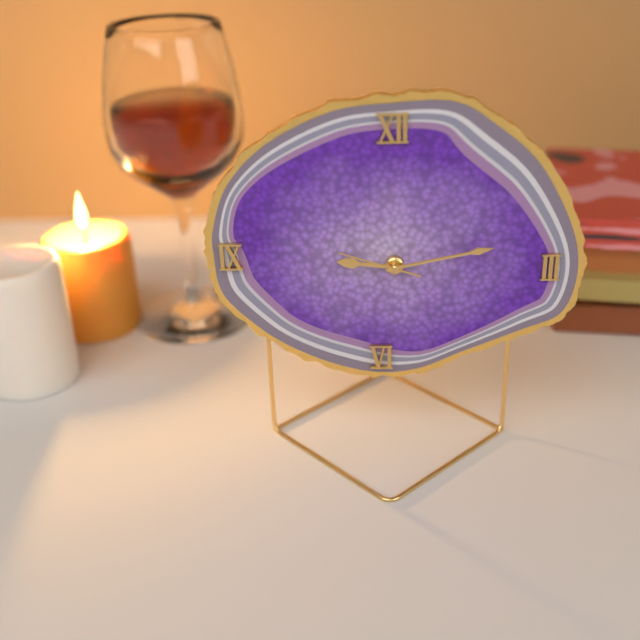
9:13:48
